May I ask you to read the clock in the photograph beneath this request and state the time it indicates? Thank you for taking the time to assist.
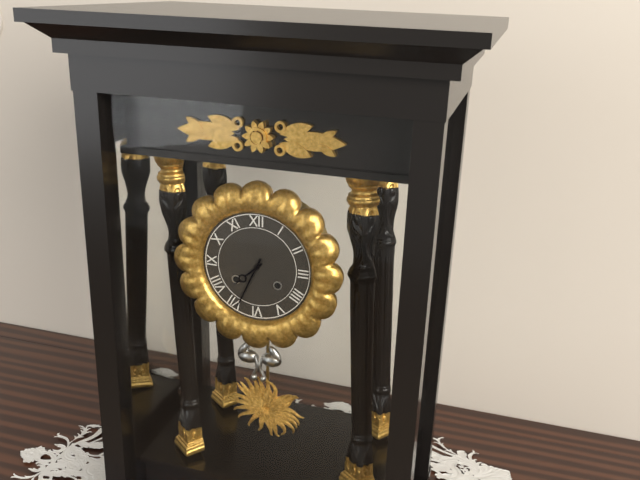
7:34
